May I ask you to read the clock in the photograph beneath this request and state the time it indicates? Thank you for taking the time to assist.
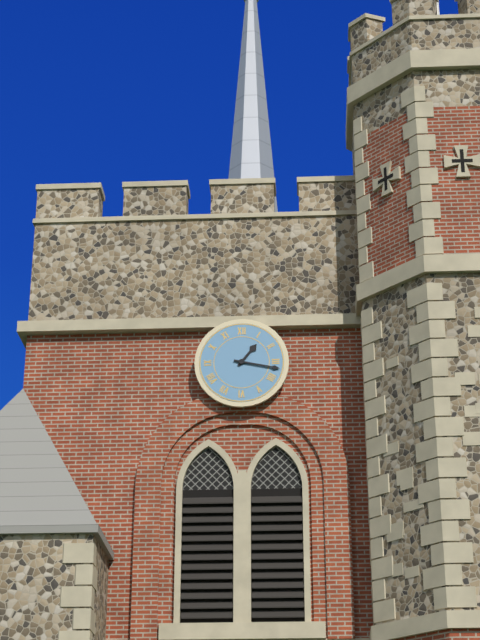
1:17
